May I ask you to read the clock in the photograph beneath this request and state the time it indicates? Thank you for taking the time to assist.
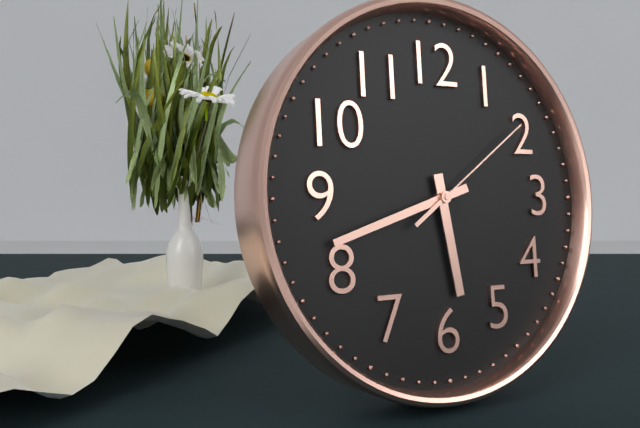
5:42:09
